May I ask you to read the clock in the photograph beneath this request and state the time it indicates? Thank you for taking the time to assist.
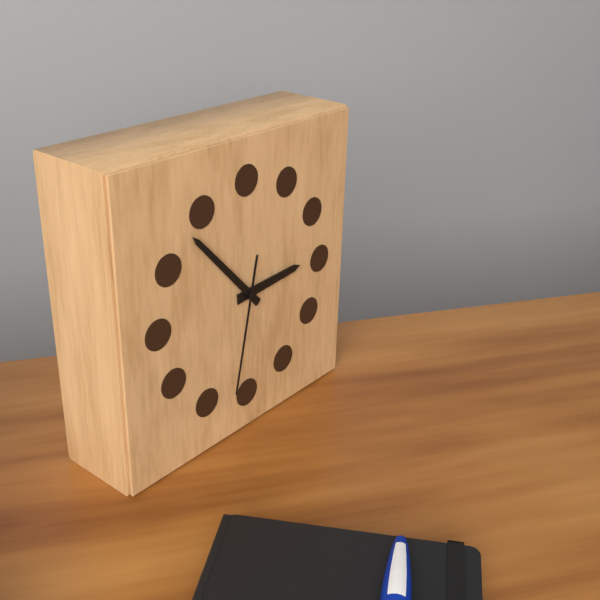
2:53:32
